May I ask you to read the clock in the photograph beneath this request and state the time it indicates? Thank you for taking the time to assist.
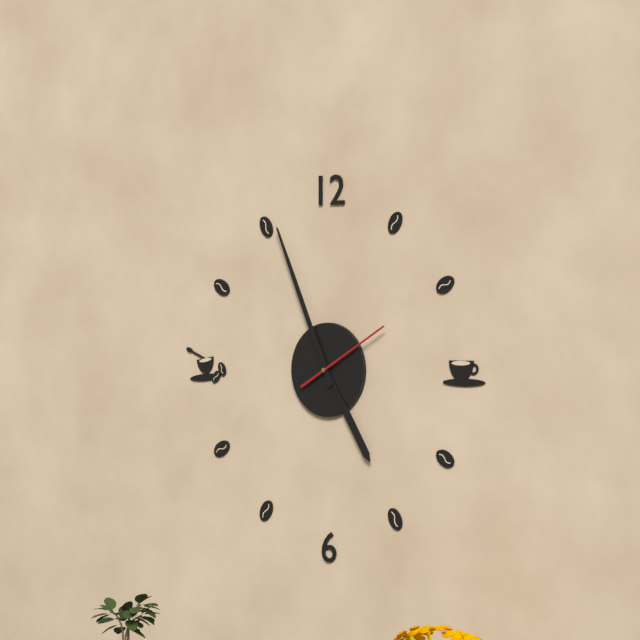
4:56:10
